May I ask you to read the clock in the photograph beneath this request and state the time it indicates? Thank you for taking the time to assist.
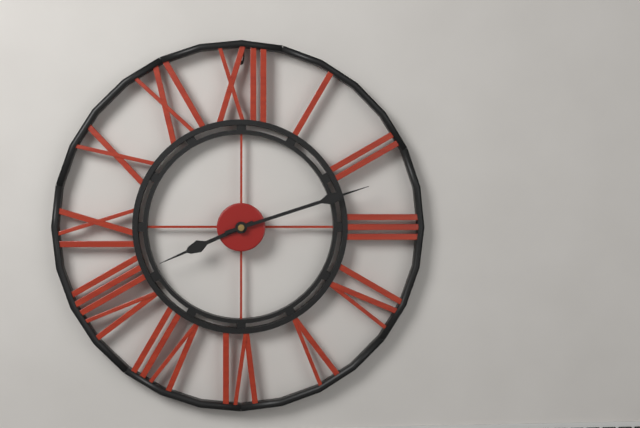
8:12
